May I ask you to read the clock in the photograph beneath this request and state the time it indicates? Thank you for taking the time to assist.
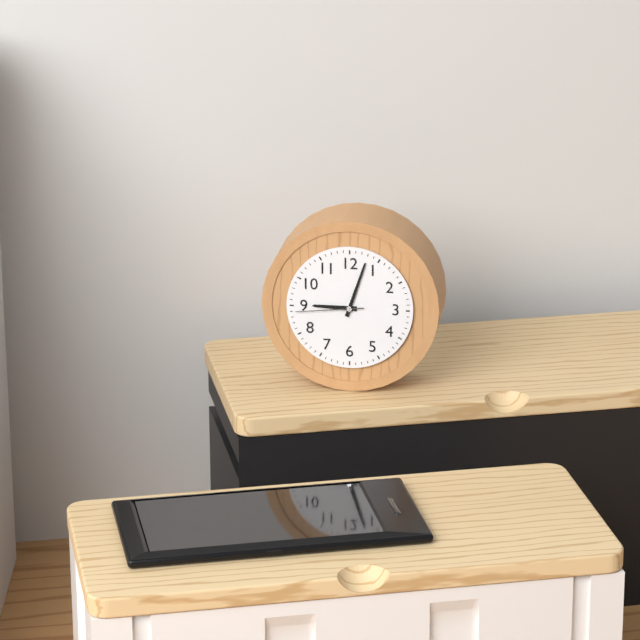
9:03:44
